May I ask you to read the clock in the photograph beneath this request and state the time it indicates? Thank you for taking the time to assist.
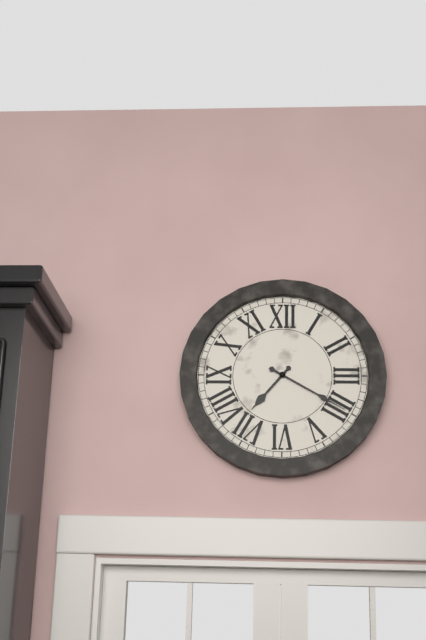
7:20
